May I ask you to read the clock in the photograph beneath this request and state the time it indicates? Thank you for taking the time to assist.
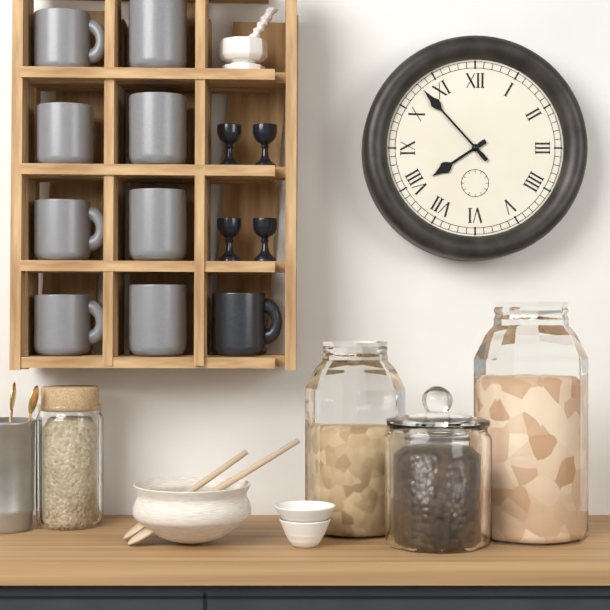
7:53
